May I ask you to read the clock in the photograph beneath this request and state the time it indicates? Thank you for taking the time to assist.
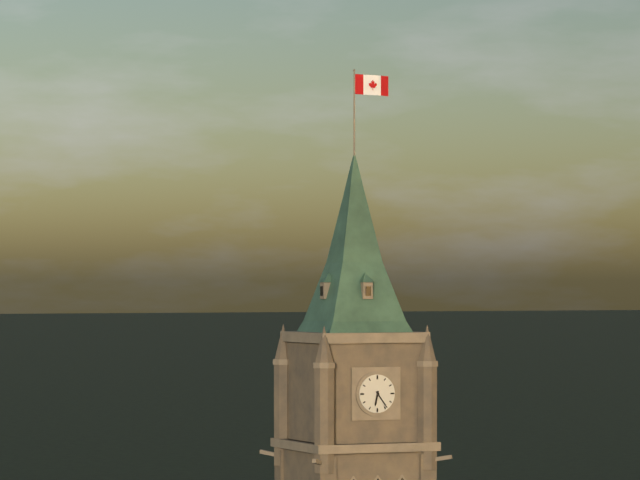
6:24
